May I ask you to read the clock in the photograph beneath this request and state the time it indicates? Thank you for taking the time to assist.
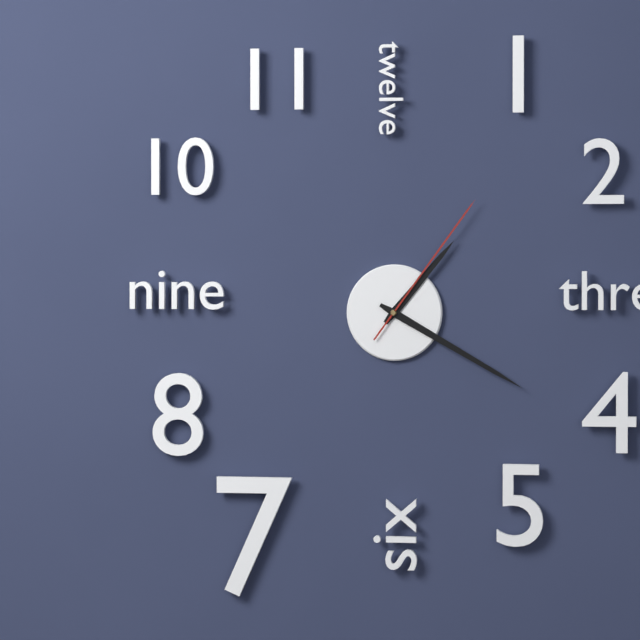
1:20:06
